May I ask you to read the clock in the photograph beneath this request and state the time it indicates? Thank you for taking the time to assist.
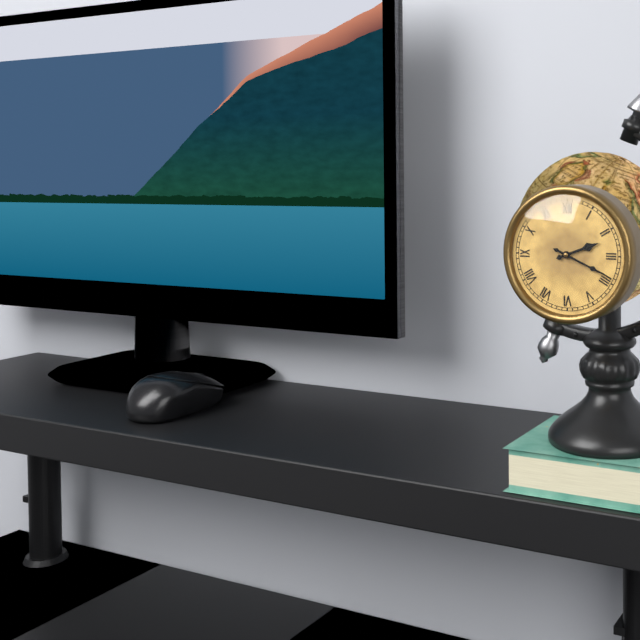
2:19
